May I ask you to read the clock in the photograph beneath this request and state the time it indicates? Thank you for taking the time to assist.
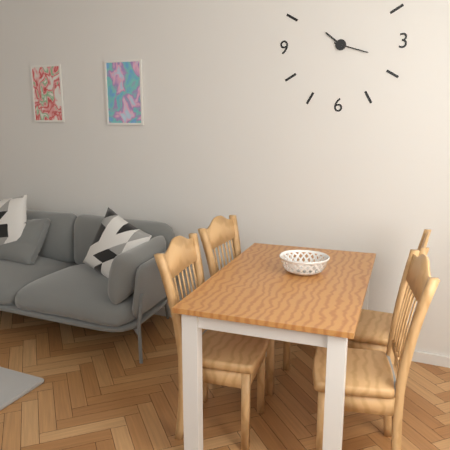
10:18
